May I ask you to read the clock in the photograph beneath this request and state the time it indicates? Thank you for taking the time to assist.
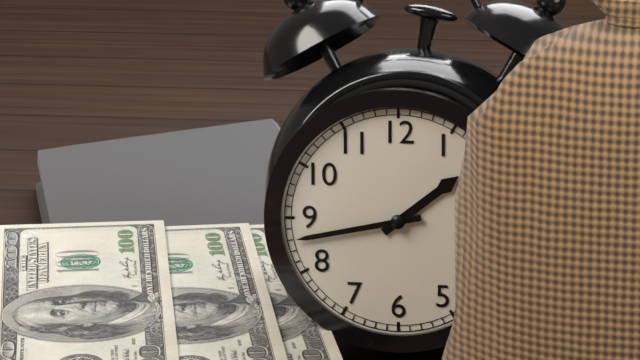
1:43
